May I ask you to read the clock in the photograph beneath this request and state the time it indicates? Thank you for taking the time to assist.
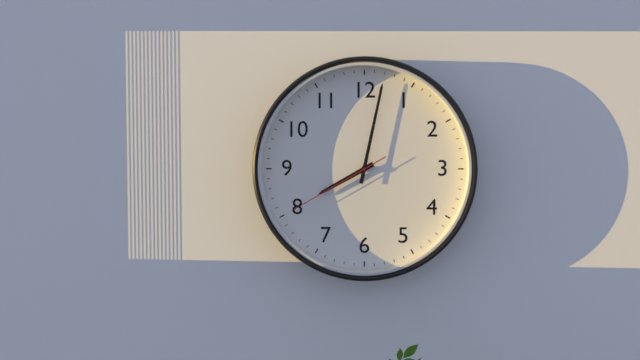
8:02:40
